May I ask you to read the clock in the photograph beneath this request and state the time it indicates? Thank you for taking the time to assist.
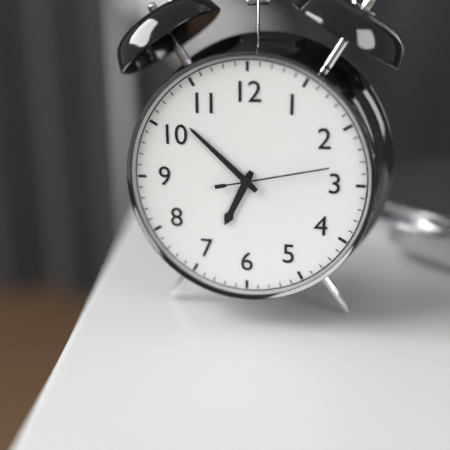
6:52:13
